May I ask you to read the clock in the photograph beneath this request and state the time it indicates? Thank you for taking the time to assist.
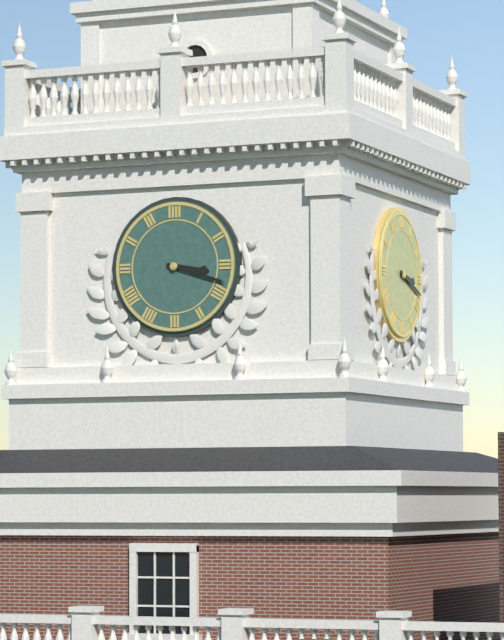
3:18
